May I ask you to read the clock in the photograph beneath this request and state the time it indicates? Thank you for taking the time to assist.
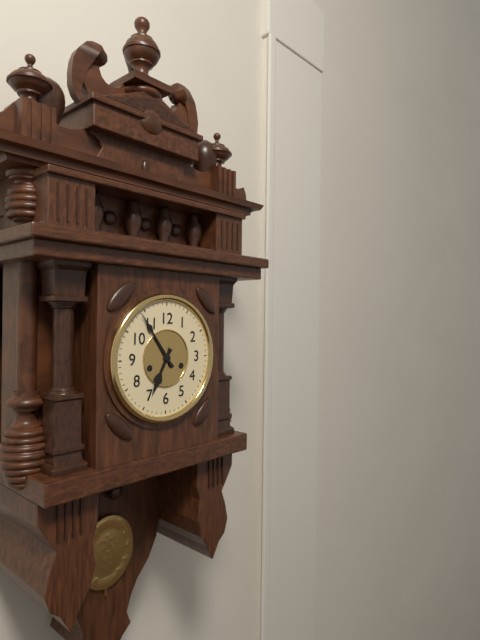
6:54
